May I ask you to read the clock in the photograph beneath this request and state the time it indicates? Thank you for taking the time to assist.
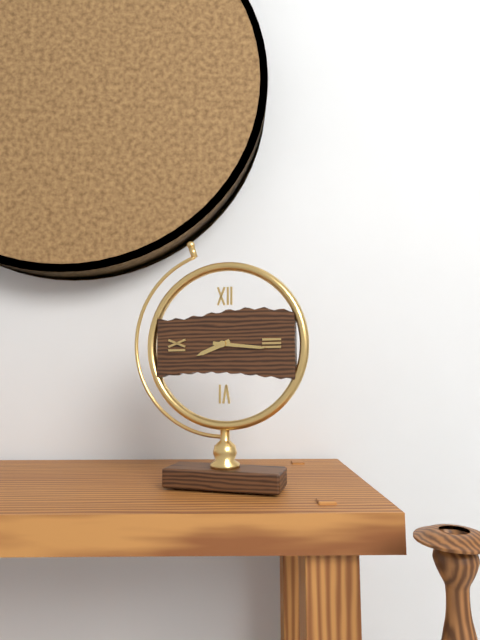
8:16
